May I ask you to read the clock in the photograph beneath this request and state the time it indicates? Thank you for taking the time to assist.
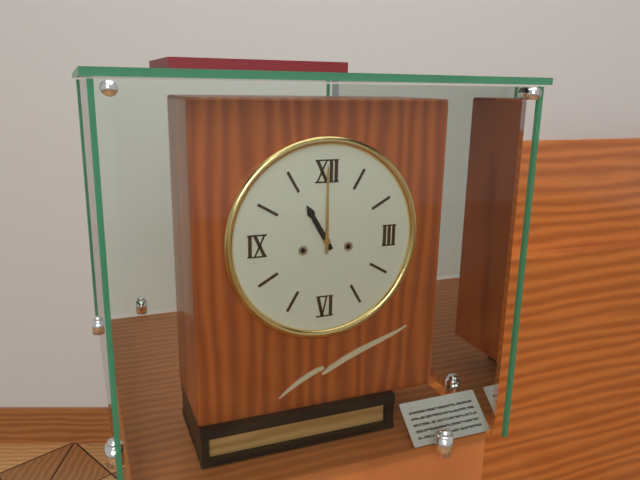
11:00
